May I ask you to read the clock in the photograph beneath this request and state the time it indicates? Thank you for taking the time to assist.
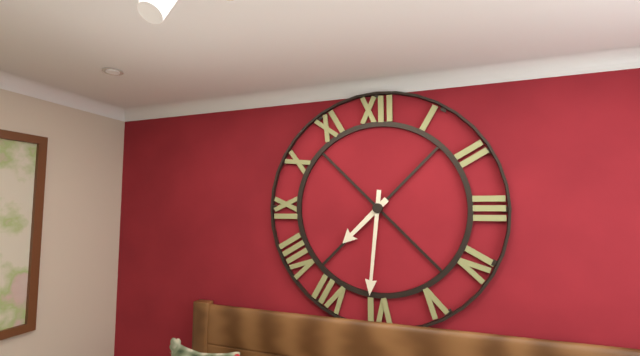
7:31
